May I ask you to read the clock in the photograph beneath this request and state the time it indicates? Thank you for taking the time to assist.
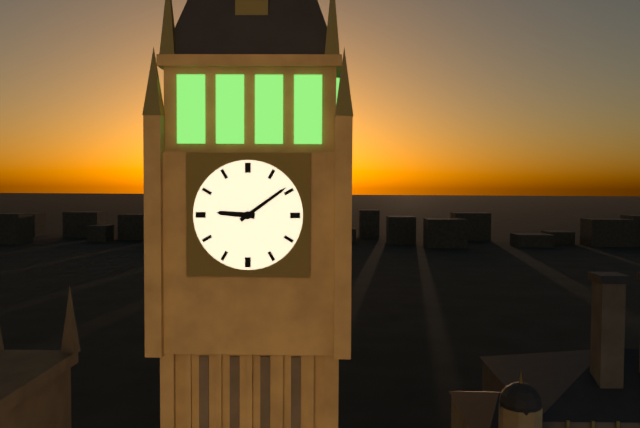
9:09
